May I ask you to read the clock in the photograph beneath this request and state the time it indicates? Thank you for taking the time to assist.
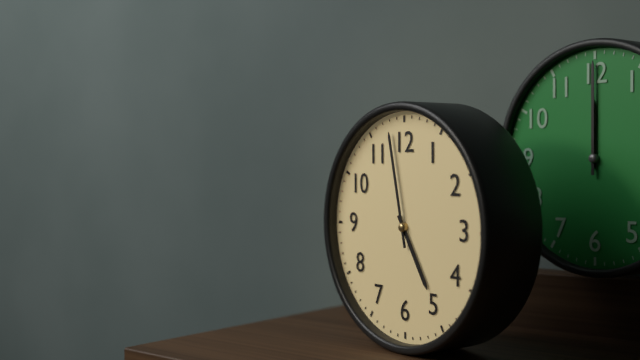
4:58
